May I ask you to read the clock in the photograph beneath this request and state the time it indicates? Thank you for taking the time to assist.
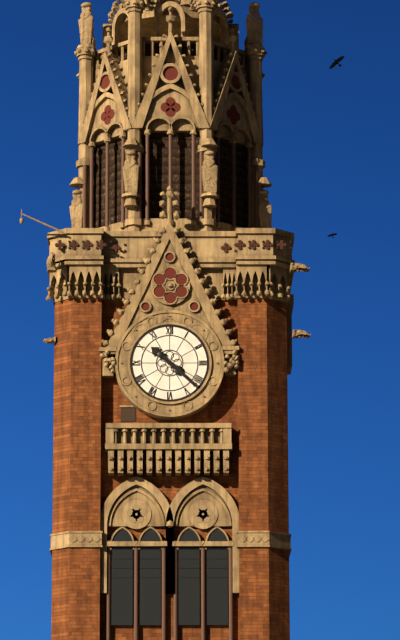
10:22
